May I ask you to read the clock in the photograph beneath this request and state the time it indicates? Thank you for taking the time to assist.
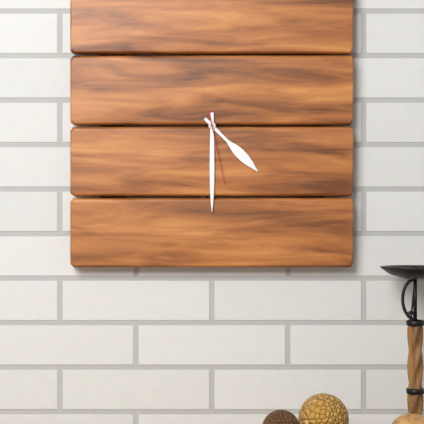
4:30:28
